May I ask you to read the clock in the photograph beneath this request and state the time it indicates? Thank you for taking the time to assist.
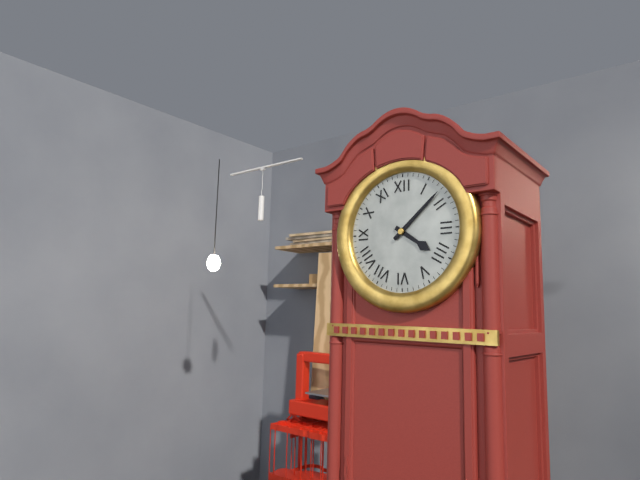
4:08
